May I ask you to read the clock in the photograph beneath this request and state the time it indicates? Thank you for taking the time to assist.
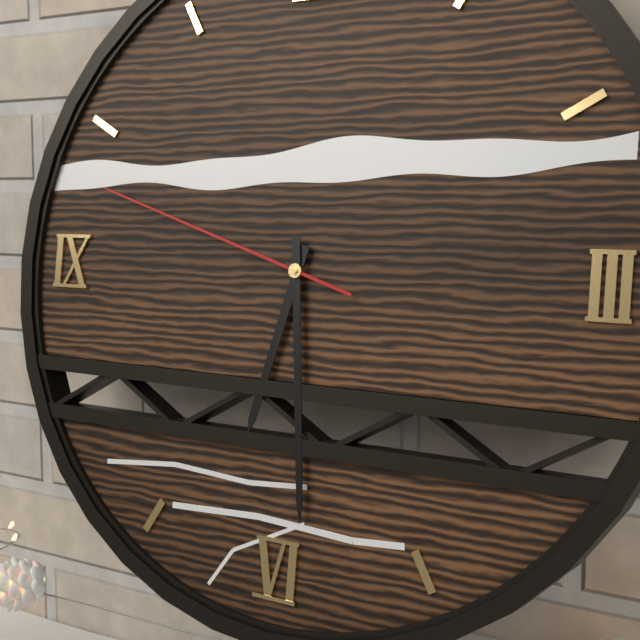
6:29:48
